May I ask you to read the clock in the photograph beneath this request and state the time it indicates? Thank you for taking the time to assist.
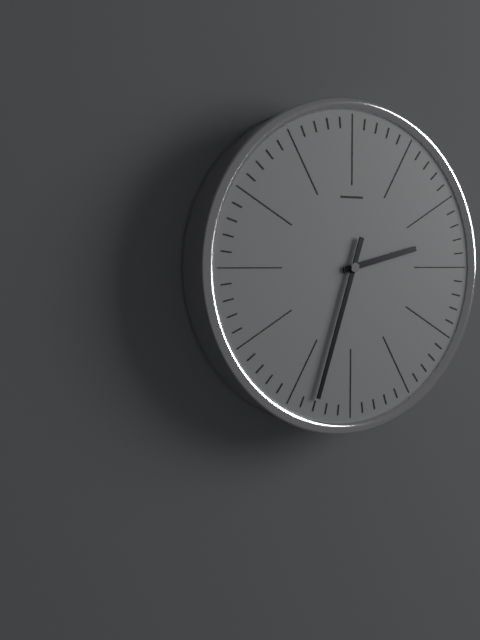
2:33
